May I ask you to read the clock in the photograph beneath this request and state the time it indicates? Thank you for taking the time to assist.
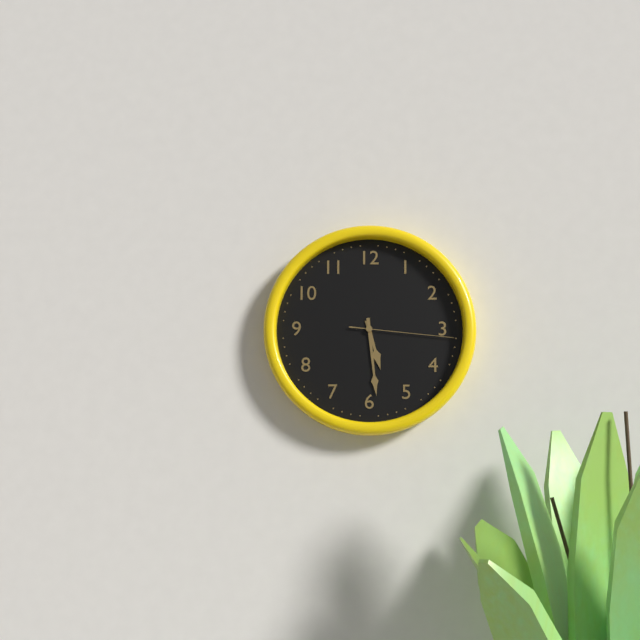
5:29:16
